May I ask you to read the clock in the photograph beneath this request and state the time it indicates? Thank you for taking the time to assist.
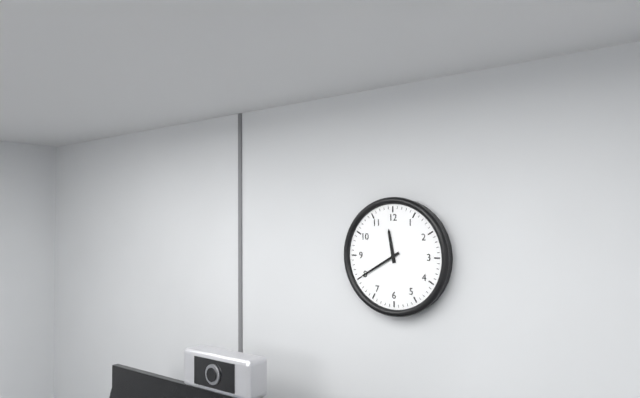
11:40
